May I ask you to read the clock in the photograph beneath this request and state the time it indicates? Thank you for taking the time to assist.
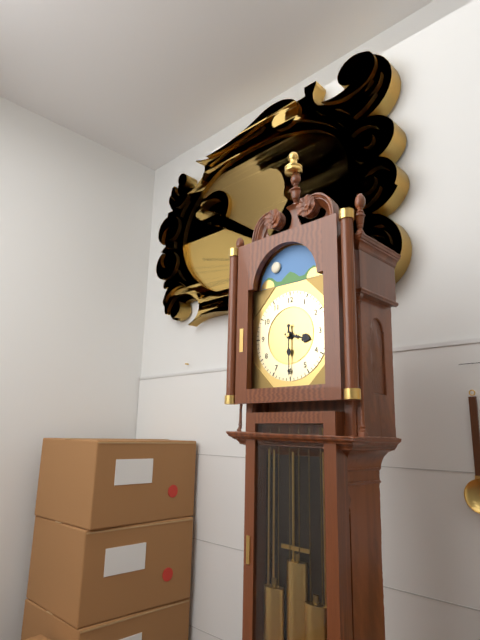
3:30
